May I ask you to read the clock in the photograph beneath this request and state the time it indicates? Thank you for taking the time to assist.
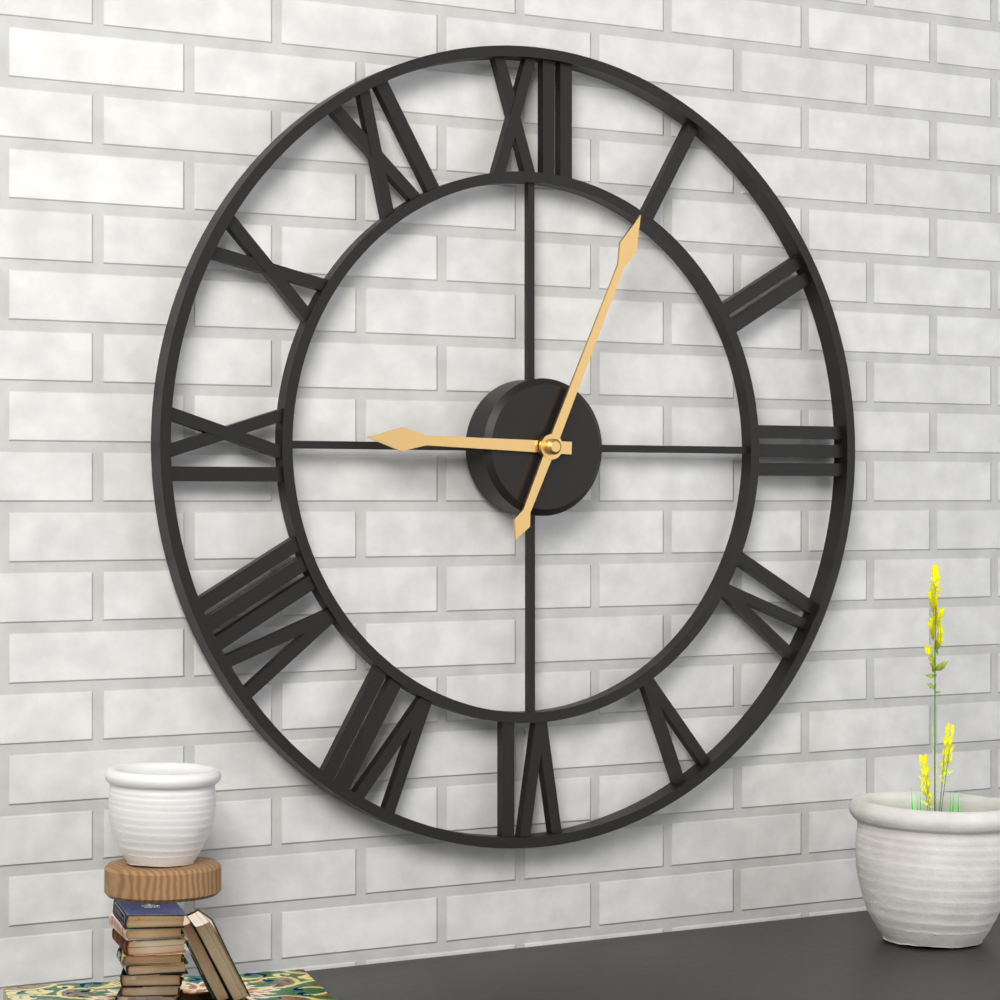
9:04
